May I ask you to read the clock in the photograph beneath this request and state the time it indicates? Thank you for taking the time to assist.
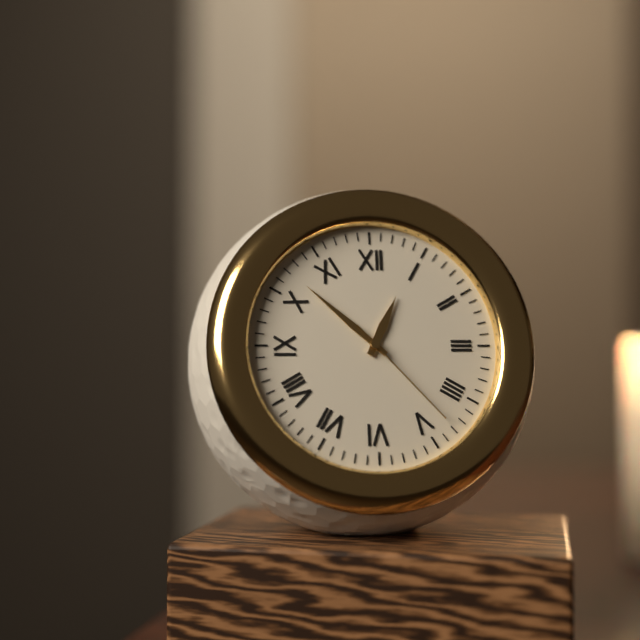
12:52:23
